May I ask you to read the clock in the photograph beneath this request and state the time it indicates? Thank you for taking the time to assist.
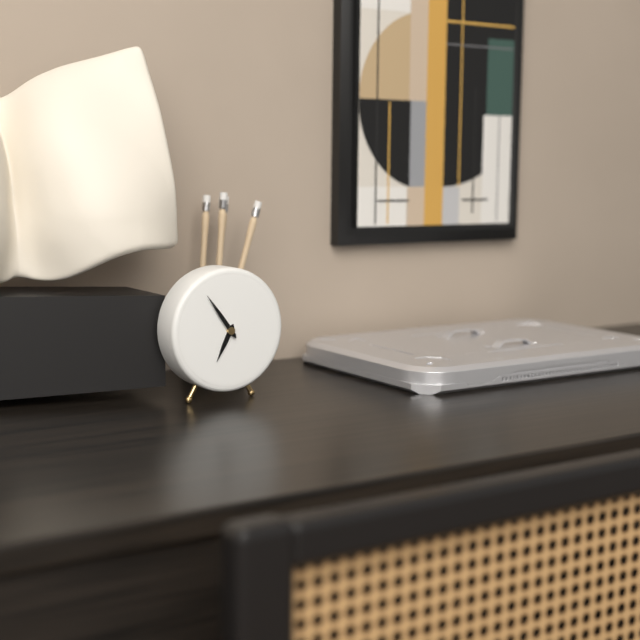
6:54
